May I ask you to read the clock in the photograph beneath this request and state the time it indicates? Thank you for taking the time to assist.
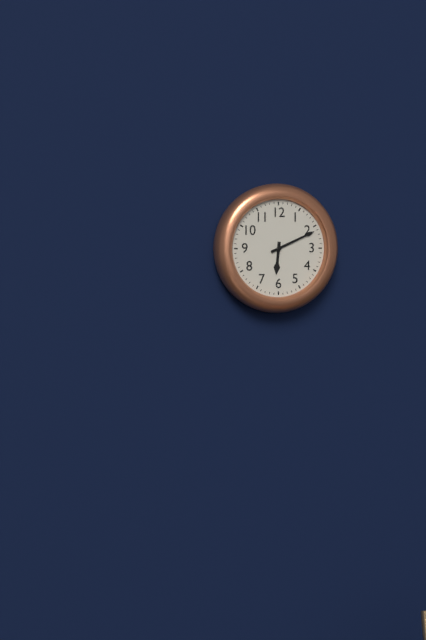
6:11
